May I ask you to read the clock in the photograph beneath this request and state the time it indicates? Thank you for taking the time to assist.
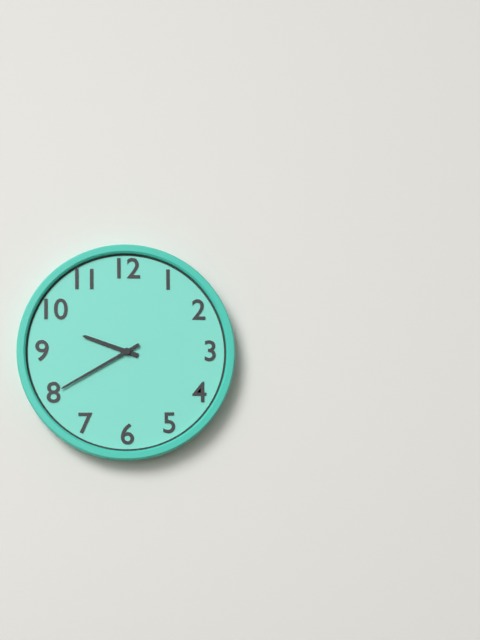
9:40
